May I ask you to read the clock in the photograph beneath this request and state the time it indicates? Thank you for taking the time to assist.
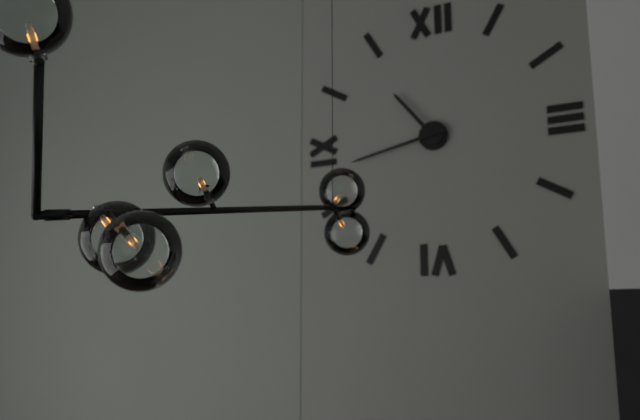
10:43
